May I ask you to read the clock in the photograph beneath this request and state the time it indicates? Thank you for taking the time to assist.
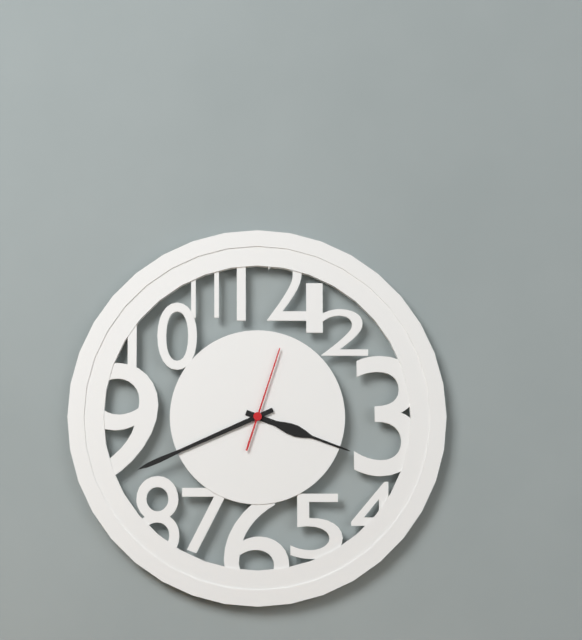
3:41:03
